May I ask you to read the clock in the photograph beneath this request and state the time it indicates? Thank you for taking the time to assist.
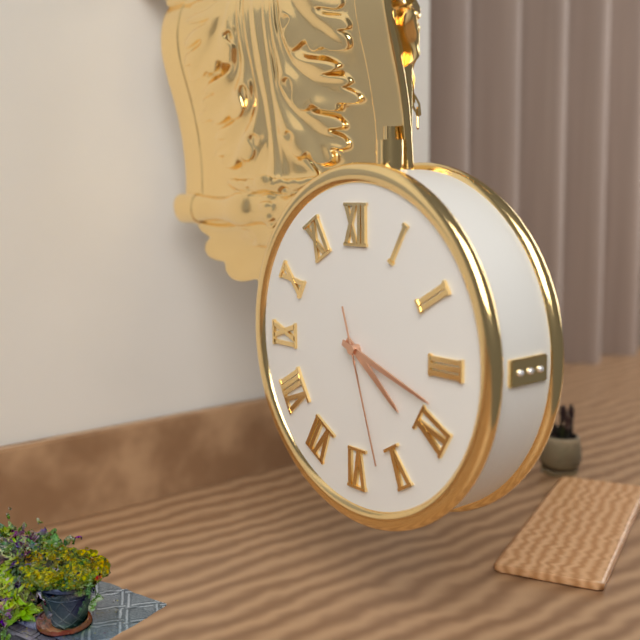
4:18:27
